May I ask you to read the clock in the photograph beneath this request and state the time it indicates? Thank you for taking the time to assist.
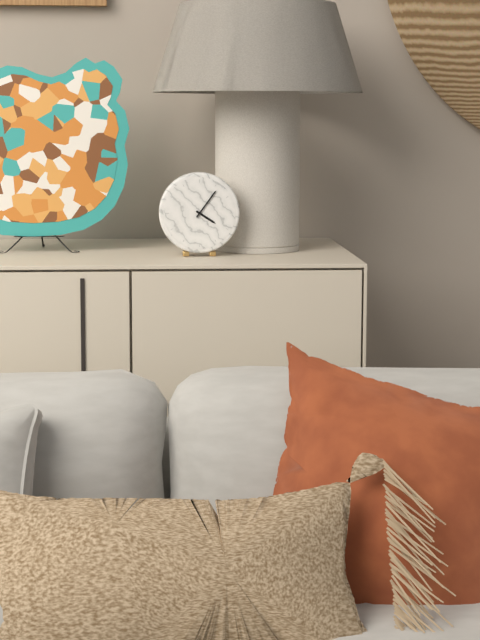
4:06
